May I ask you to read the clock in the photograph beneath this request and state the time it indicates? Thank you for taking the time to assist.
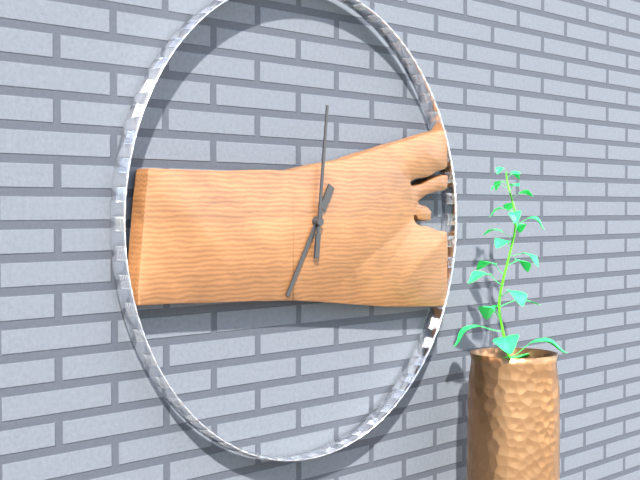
7:01
